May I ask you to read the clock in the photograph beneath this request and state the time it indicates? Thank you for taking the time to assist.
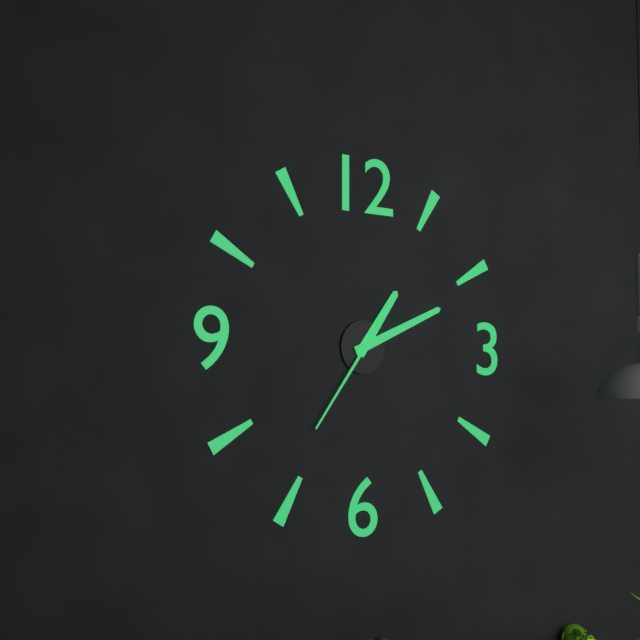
1:11:36
